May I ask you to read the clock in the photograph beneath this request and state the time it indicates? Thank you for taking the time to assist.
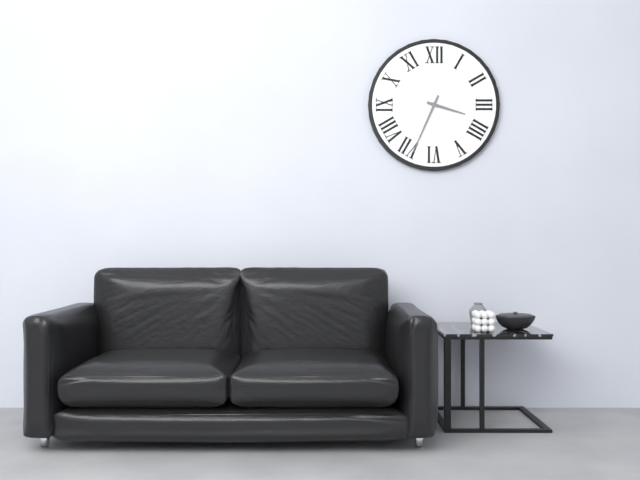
3:34
